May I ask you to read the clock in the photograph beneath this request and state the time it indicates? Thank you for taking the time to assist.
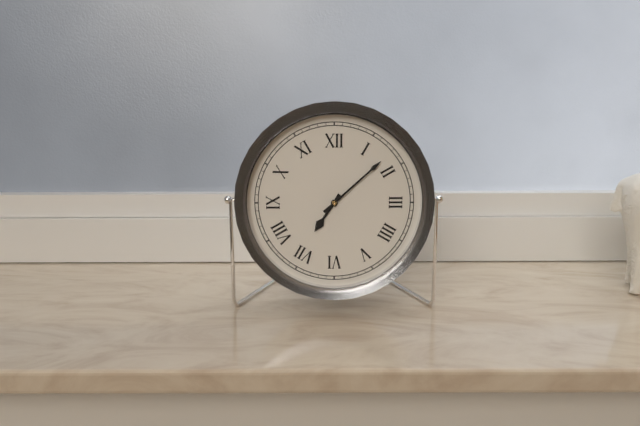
7:08
